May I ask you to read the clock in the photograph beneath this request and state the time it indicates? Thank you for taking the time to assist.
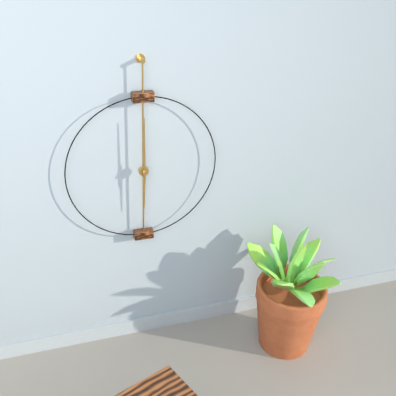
6:00
